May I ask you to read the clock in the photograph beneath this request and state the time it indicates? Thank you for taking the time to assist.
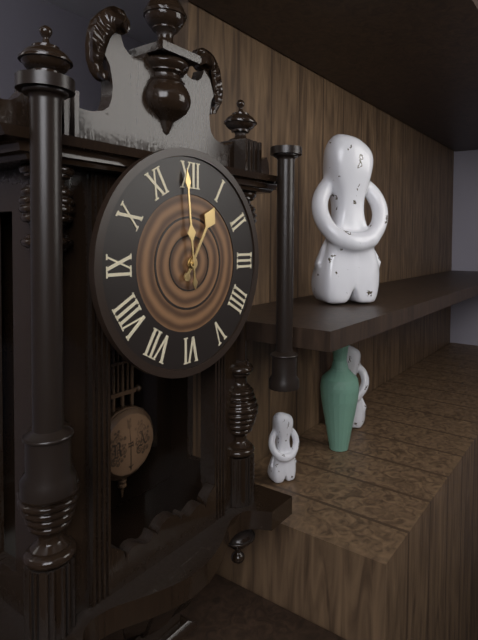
12:59
